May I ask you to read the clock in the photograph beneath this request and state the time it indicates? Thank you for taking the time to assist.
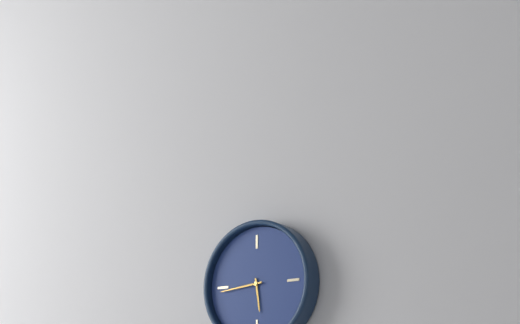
5:44
